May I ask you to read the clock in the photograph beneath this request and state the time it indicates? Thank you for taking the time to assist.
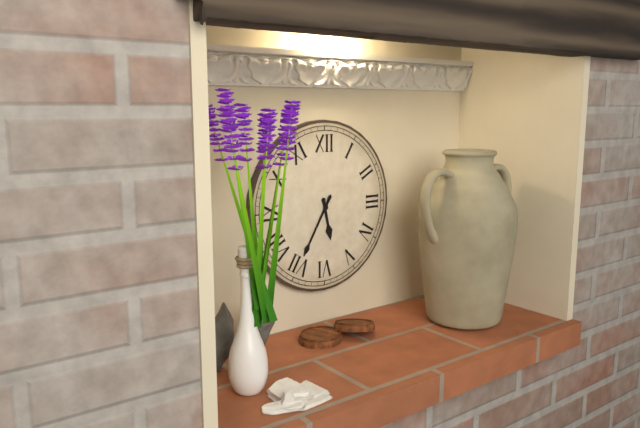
5:35
